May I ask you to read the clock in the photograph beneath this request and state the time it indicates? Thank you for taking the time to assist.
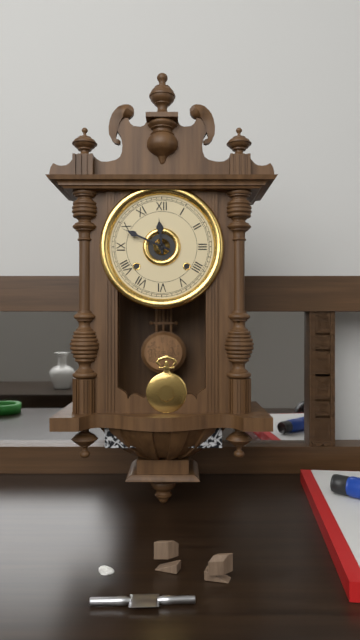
11:49
